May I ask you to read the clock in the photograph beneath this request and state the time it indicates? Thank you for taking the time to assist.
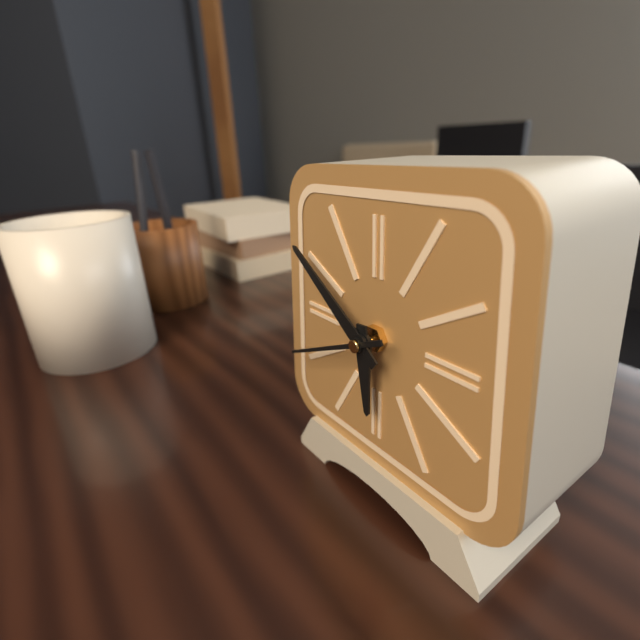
5:51:41
